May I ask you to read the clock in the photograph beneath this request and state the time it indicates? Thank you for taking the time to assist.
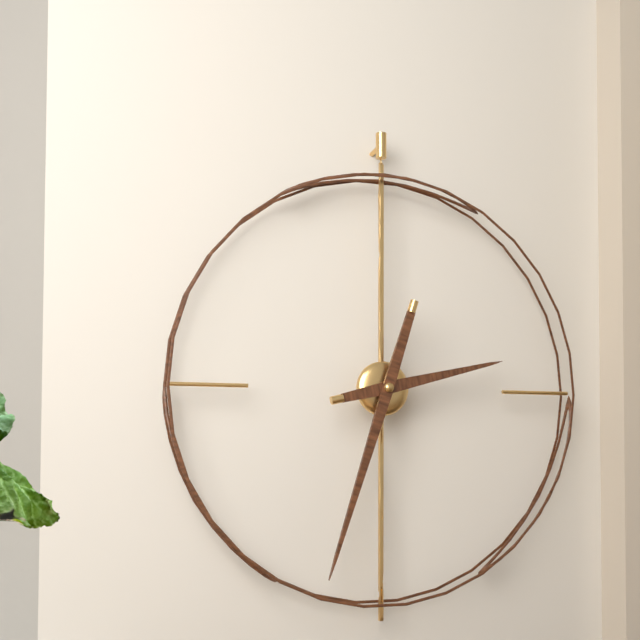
2:33
